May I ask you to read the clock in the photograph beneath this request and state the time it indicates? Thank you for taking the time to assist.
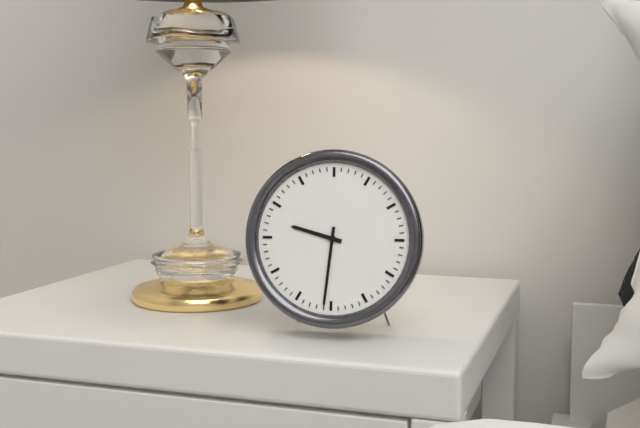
9:31
